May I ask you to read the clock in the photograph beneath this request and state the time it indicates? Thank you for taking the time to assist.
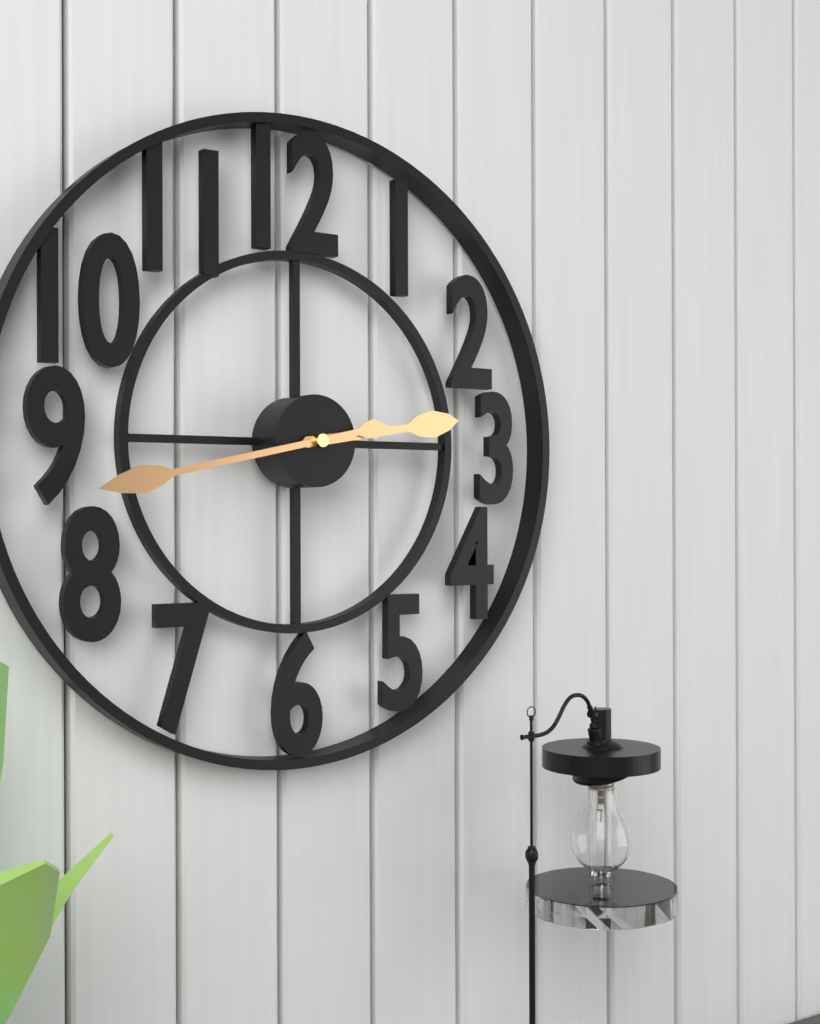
2:43
